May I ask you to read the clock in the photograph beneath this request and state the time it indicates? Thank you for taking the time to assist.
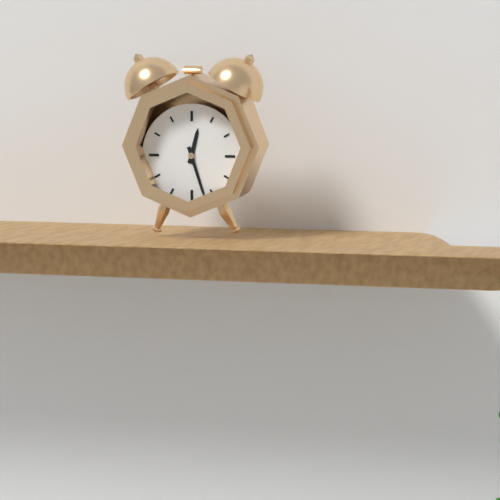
12:27
